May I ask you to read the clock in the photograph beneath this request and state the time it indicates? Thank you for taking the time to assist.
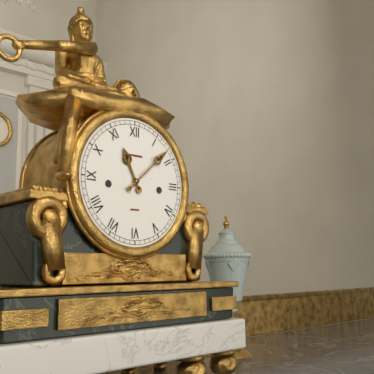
11:08
